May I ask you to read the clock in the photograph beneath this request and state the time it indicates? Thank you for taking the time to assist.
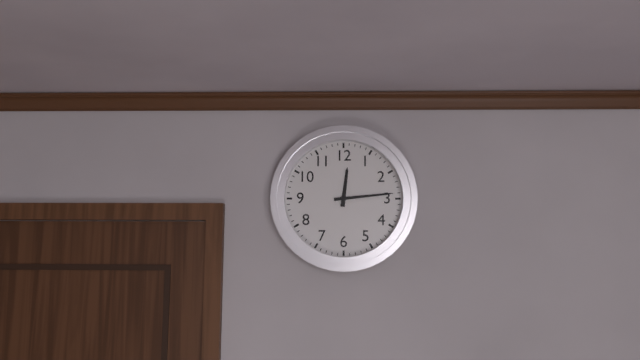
12:14
